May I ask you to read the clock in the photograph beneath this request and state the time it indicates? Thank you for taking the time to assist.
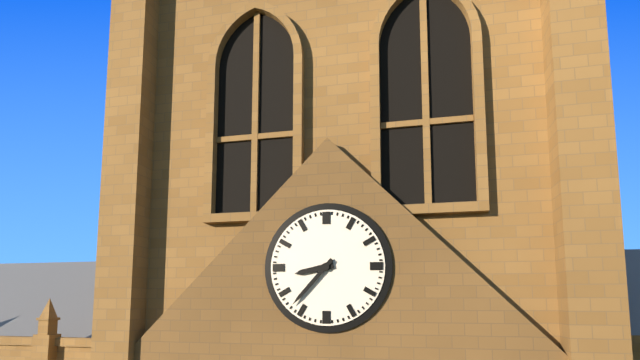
8:37
